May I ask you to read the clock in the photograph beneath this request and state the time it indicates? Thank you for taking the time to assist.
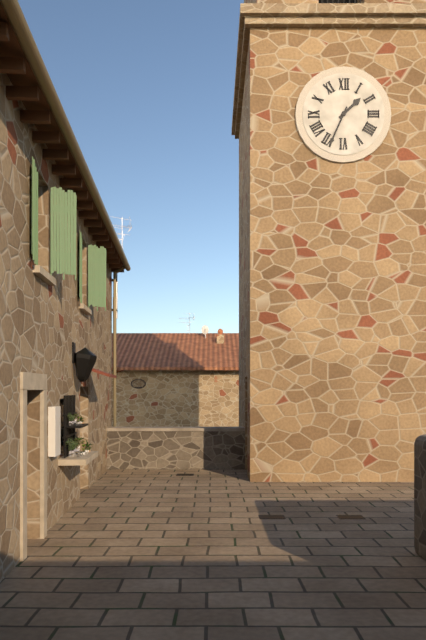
1:34
